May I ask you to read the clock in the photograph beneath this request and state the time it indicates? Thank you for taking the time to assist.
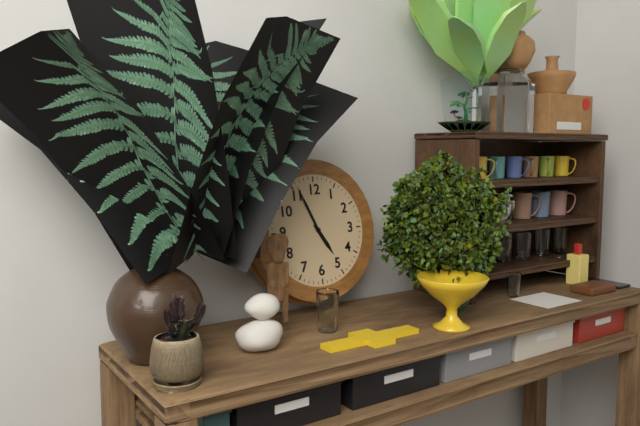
4:56
